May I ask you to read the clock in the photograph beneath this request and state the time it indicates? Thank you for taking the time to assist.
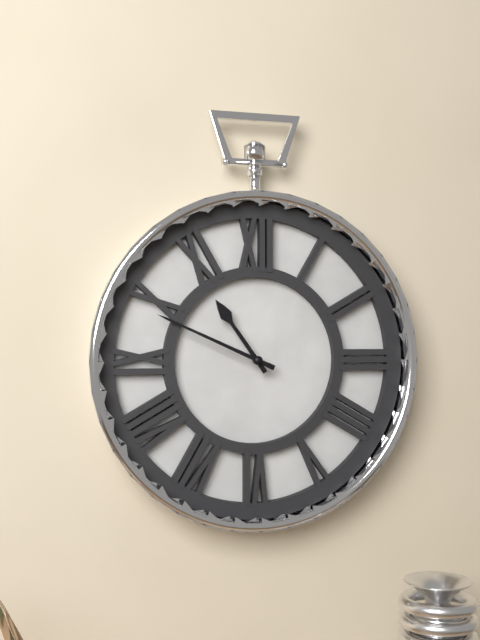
10:49
